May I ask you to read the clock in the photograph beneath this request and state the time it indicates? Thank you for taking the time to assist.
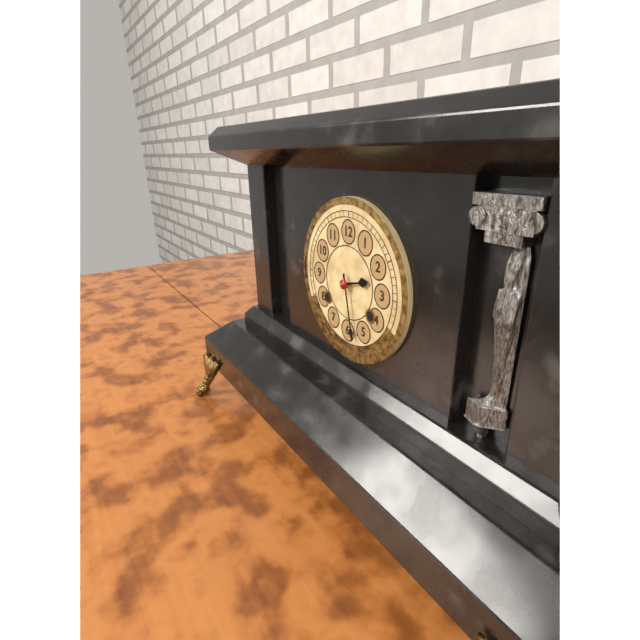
2:28
